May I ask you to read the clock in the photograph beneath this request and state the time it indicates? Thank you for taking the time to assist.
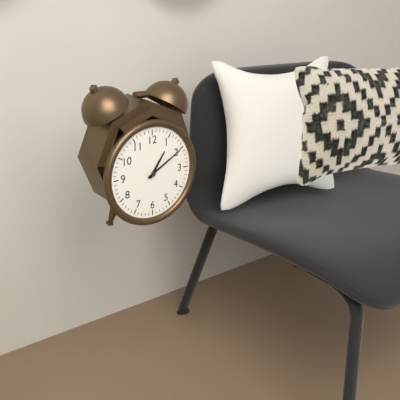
1:10
